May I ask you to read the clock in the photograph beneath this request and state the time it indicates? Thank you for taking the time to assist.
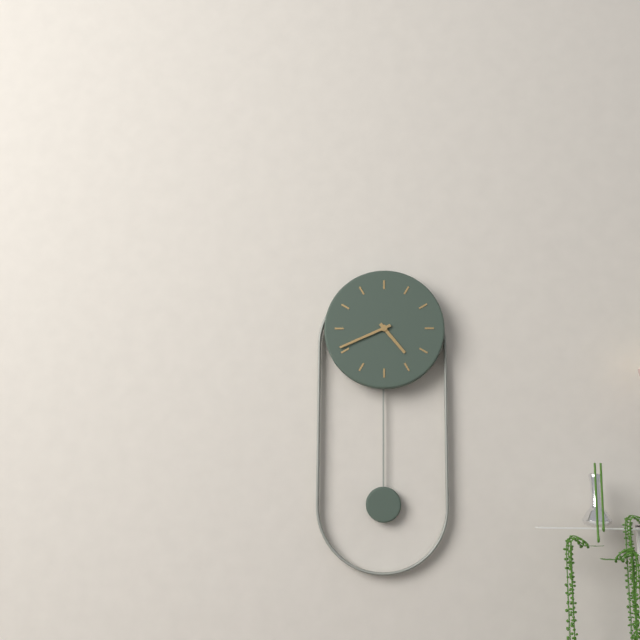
4:41
